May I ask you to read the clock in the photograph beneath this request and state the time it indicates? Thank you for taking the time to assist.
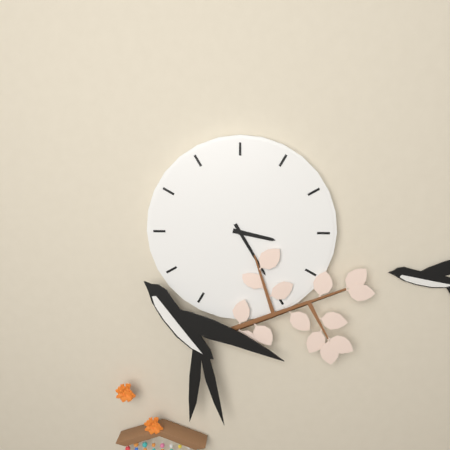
3:25
